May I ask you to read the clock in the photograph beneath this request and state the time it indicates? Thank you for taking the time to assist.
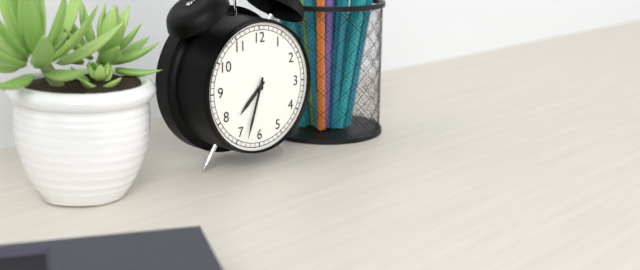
7:33
